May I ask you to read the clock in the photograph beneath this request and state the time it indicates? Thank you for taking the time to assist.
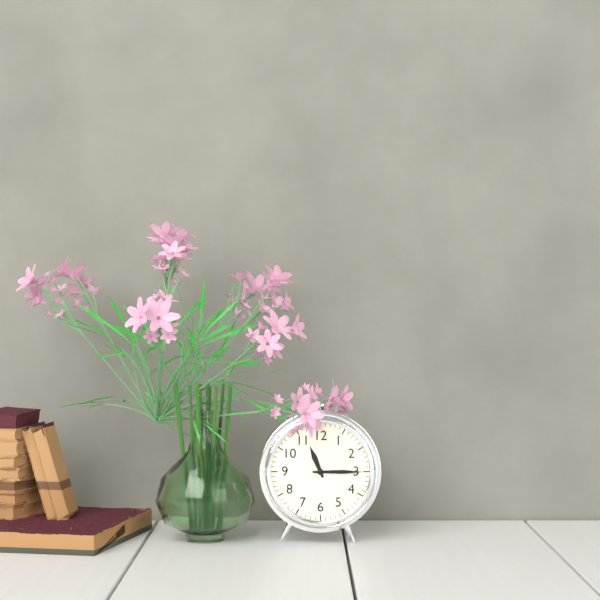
11:15
